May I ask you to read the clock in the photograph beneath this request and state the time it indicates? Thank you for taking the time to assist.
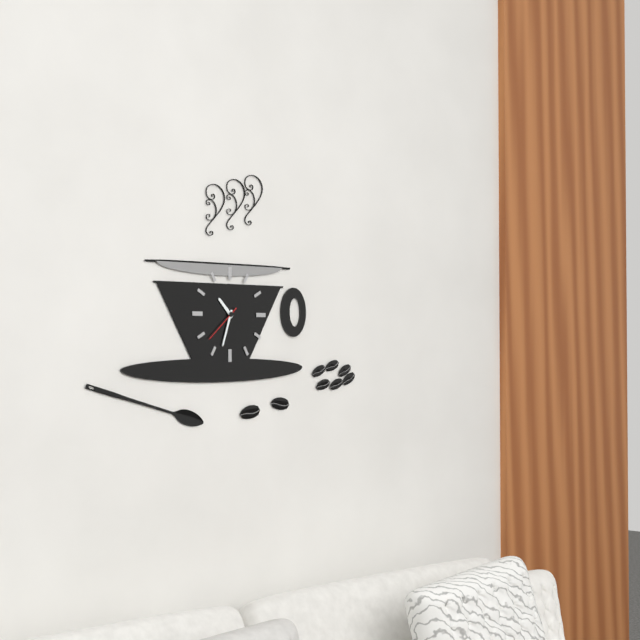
10:33
